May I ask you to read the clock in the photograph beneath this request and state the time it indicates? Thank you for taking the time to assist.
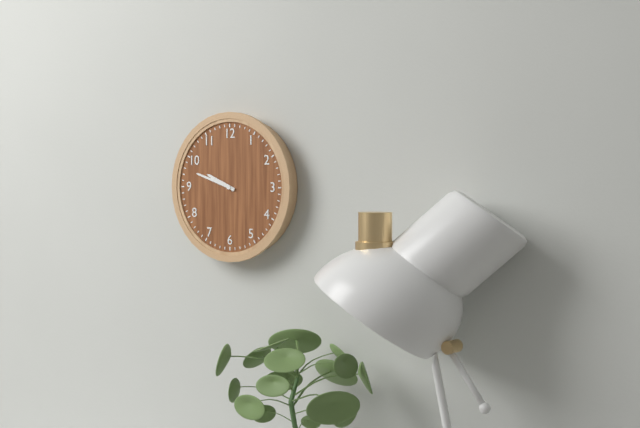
9:48
